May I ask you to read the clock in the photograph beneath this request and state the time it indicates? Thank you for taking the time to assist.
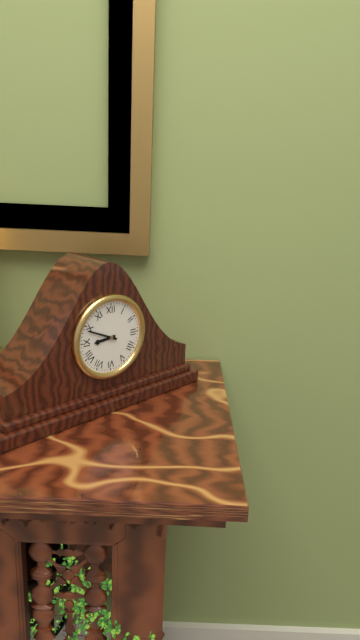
8:49
